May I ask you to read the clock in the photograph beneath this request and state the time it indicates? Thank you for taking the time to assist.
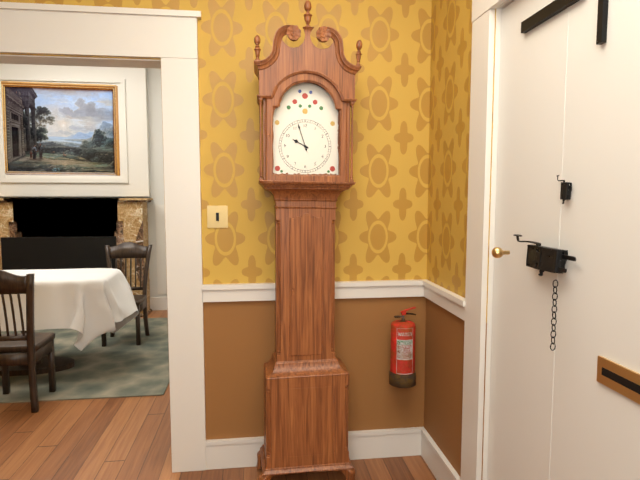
9:57
